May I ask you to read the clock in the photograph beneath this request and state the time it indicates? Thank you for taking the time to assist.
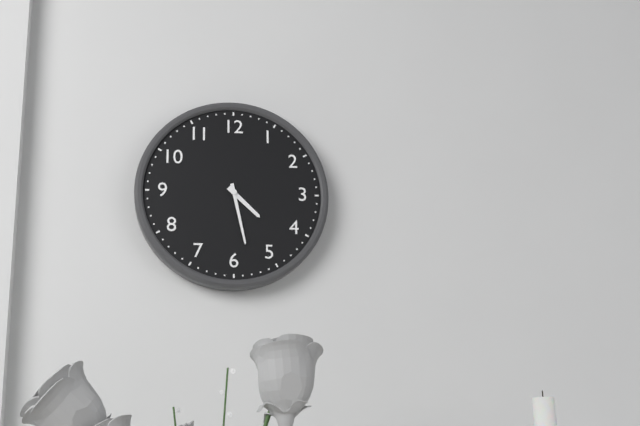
4:28
